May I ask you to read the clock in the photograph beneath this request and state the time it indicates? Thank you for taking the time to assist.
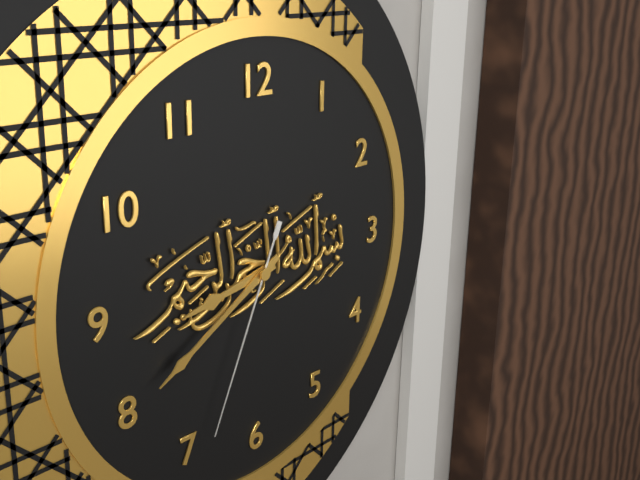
8:40:34
